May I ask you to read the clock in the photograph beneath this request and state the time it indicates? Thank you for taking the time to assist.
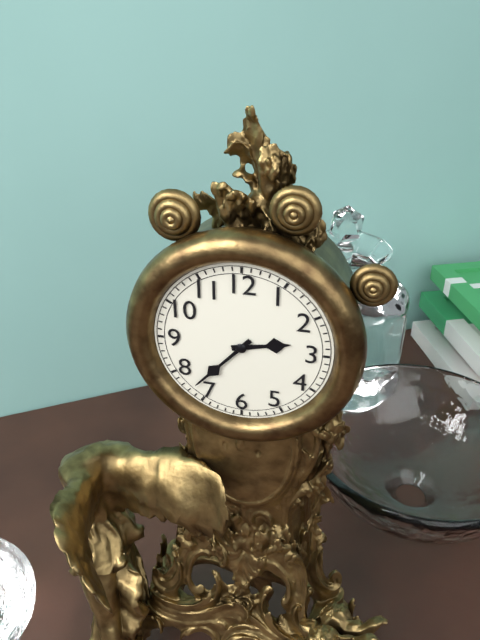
2:37
